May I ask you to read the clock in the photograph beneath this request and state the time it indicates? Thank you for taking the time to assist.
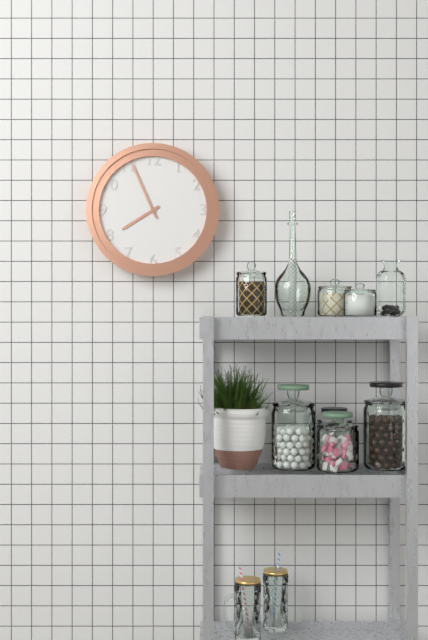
7:56
